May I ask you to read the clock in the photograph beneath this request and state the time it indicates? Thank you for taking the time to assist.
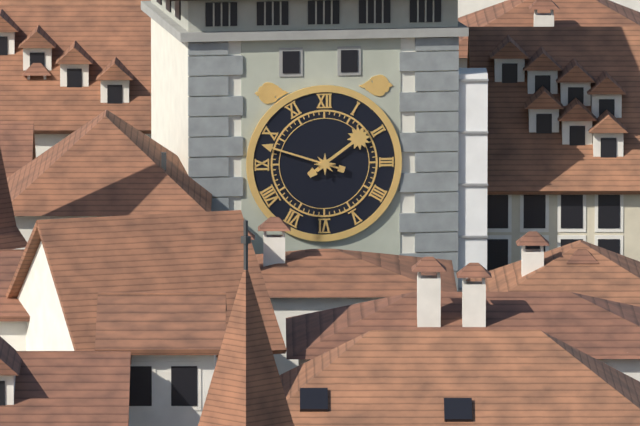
1:48
